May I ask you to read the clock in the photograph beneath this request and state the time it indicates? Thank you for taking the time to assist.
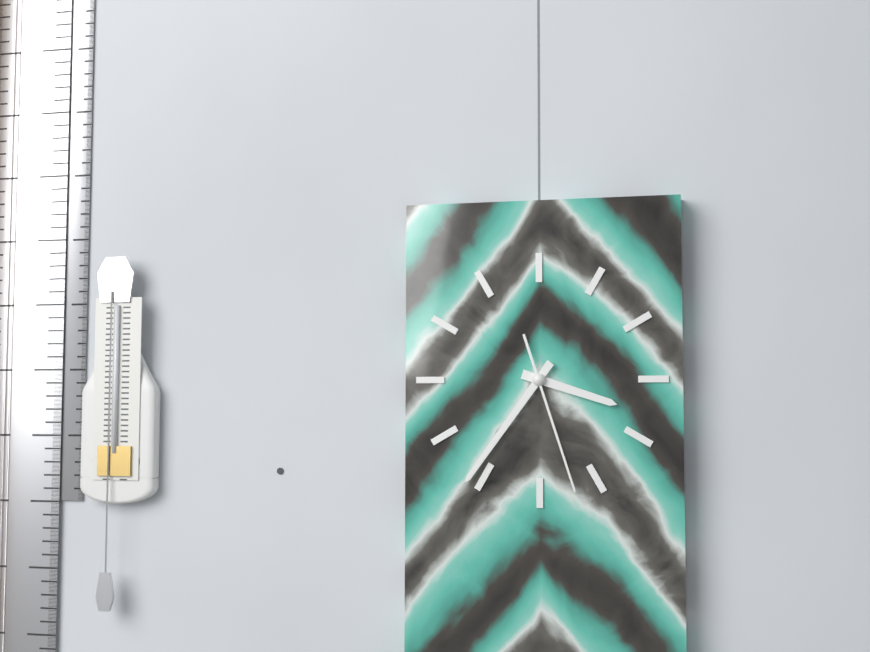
3:36:27
